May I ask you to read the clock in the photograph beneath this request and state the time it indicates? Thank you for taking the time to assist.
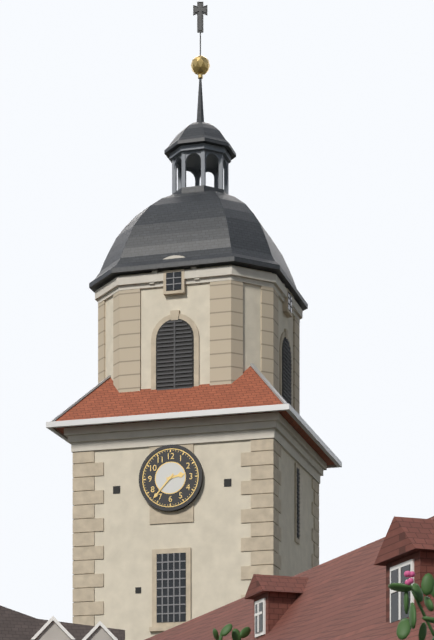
2:37
